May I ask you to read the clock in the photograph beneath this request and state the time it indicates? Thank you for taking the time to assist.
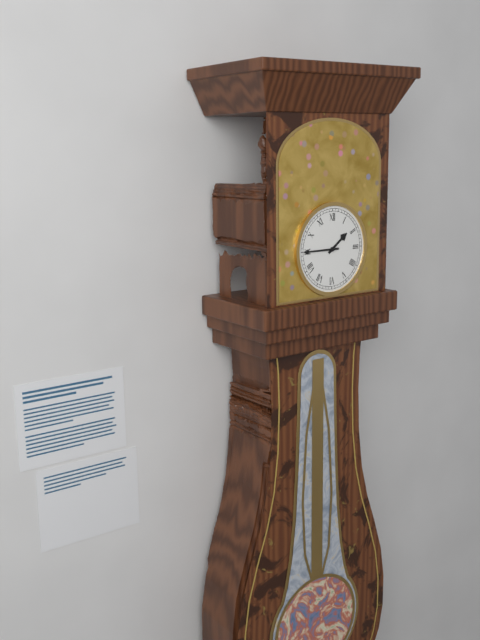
1:45
